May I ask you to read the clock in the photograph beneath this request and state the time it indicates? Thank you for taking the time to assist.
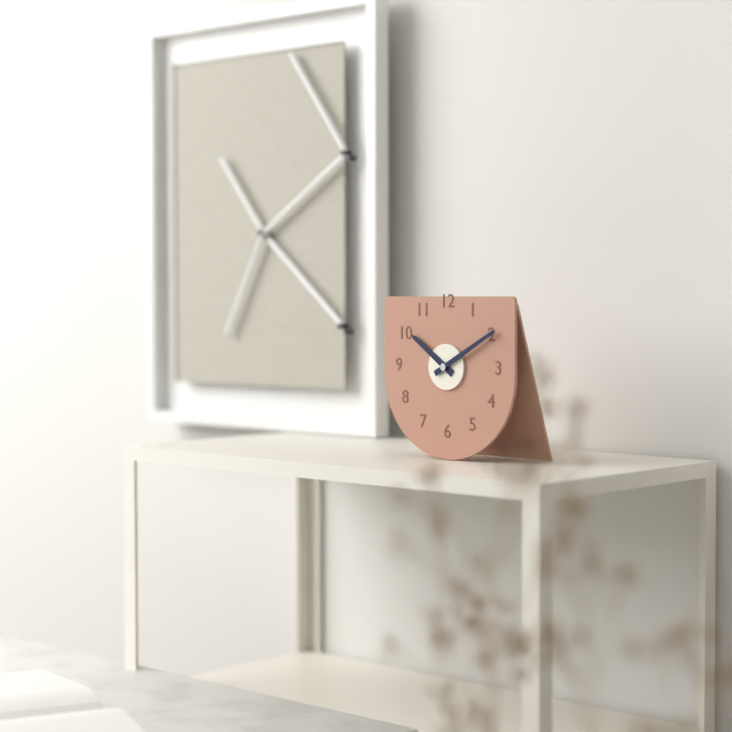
10:10
